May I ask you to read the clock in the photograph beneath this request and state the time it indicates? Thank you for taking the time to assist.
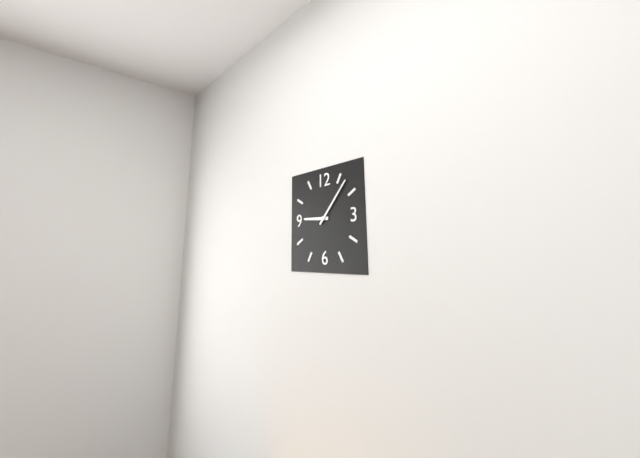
9:07
